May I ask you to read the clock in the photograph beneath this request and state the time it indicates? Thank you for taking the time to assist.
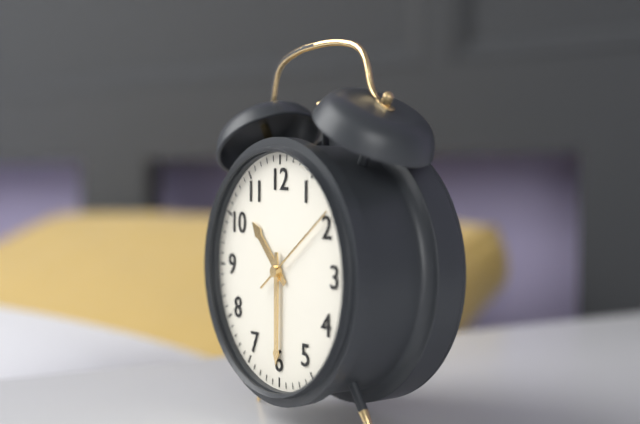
10:30:09
